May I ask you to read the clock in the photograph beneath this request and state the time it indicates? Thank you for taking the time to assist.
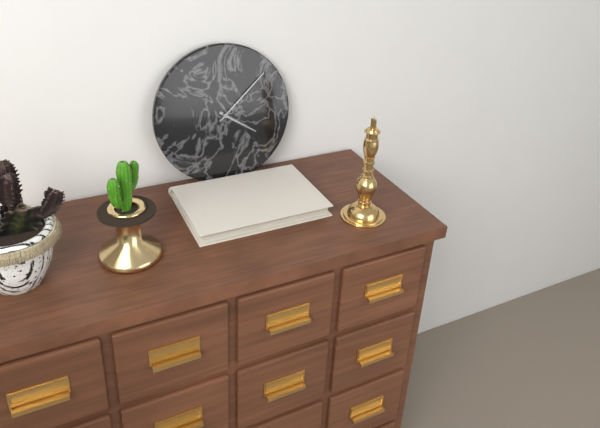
4:08
